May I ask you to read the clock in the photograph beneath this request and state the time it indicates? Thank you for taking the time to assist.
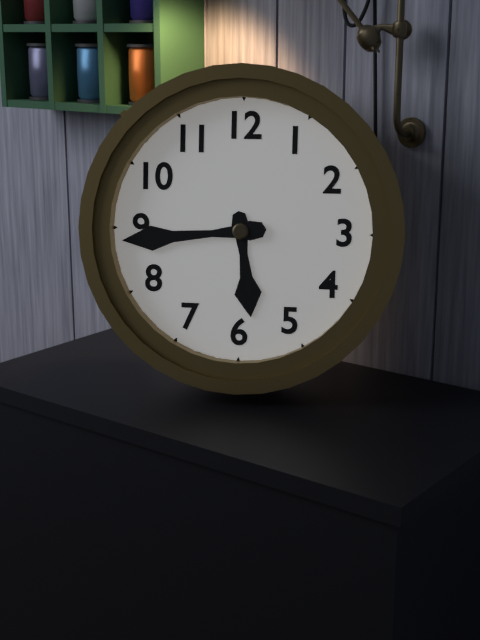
5:44
